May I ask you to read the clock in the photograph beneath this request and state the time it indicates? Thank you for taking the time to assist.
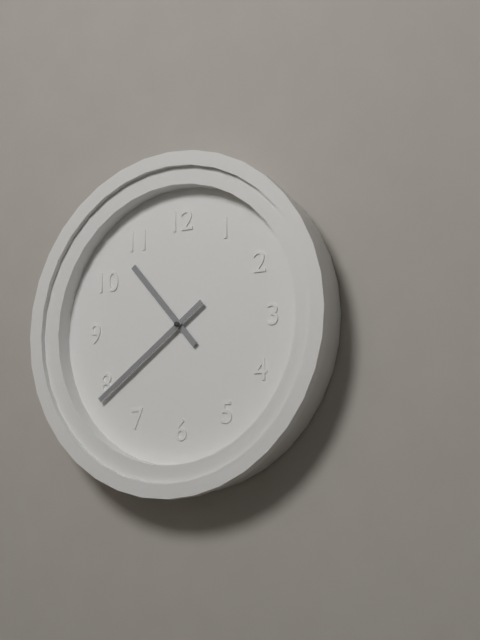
10:39
